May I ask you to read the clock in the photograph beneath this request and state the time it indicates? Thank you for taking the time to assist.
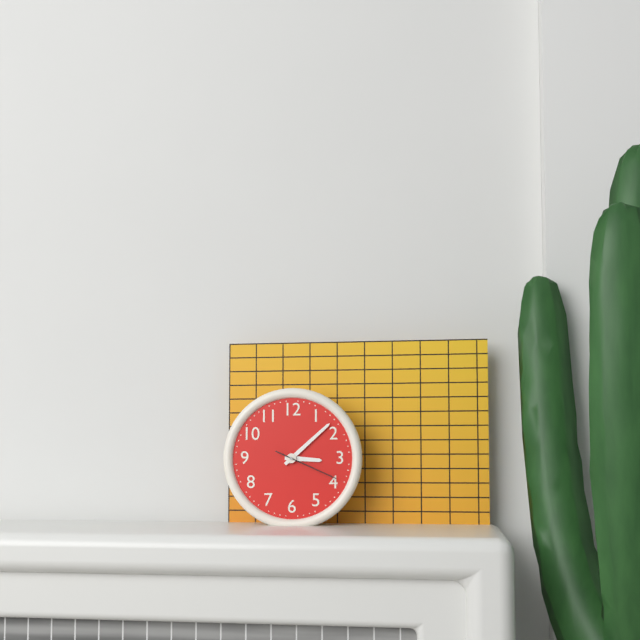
3:08:19
